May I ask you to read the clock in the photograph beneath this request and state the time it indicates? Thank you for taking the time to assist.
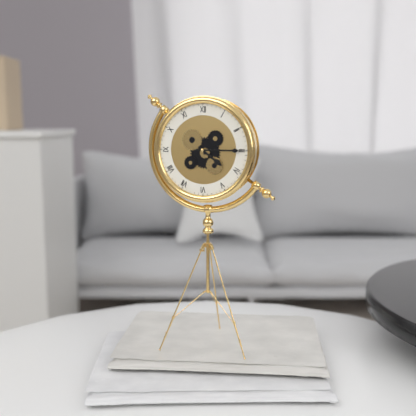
4:15
